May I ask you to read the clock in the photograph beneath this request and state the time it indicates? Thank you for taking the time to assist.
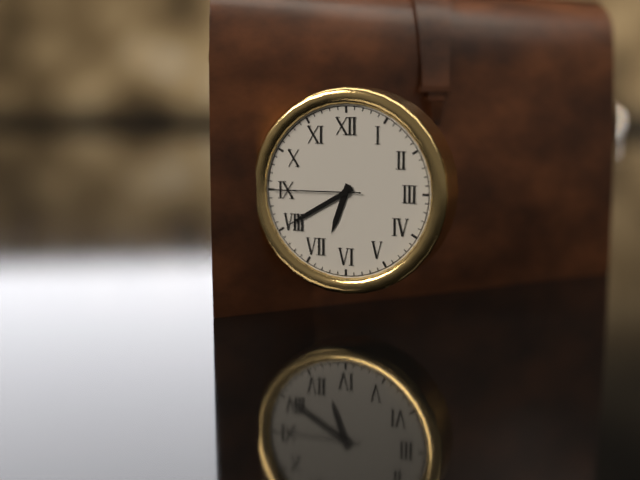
6:40:45
